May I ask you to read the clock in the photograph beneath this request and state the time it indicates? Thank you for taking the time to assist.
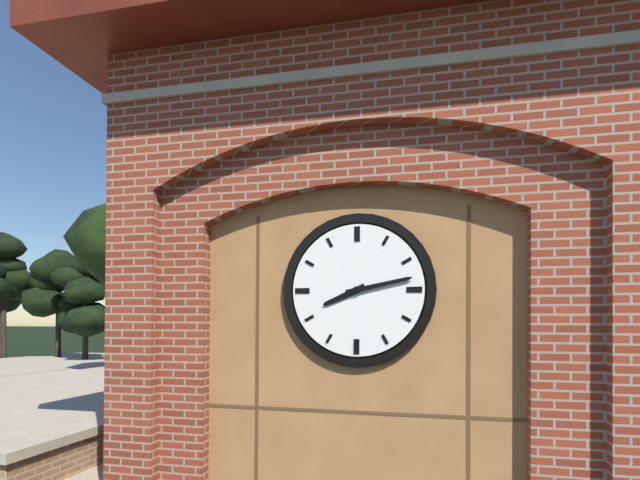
8:13
